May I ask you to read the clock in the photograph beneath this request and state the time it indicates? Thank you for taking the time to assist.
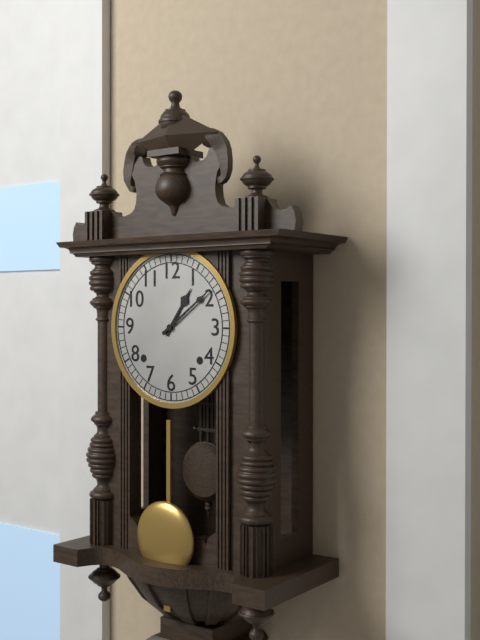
1:09
